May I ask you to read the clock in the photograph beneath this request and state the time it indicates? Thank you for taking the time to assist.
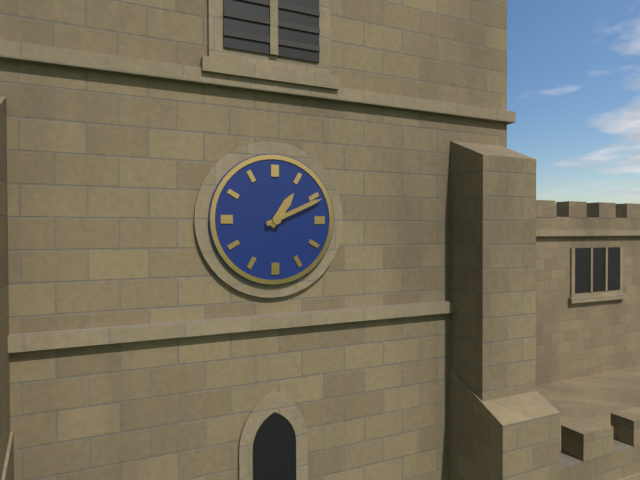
1:11
